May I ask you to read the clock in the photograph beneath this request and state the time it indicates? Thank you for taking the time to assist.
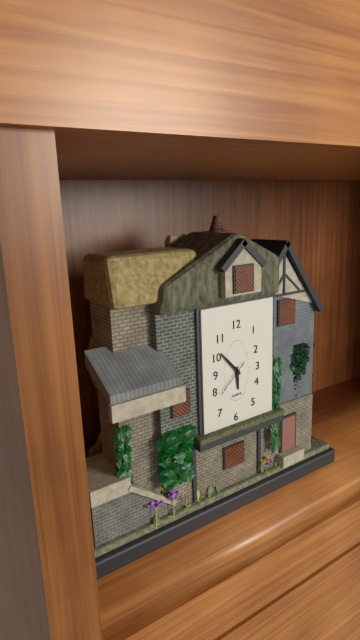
5:53
